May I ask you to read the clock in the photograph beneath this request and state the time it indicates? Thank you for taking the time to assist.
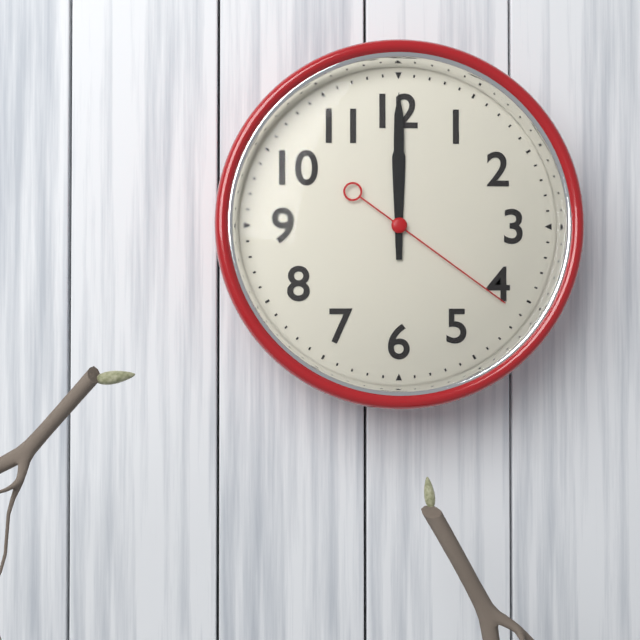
12:00:21
